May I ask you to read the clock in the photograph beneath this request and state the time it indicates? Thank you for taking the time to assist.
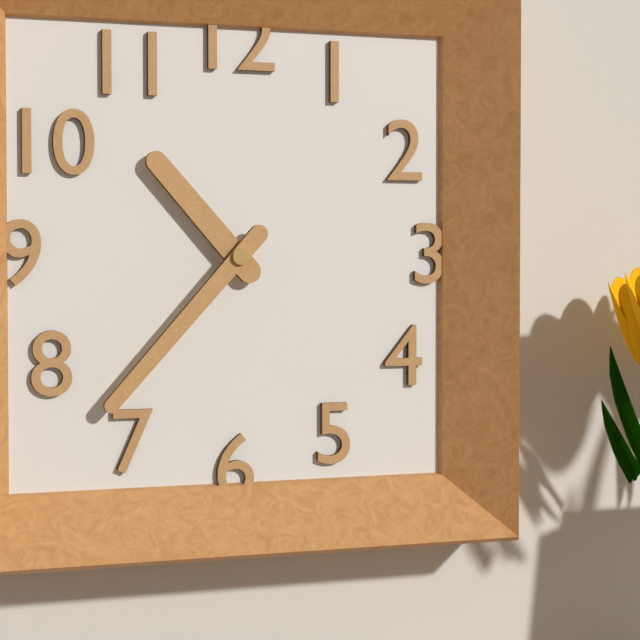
10:37
